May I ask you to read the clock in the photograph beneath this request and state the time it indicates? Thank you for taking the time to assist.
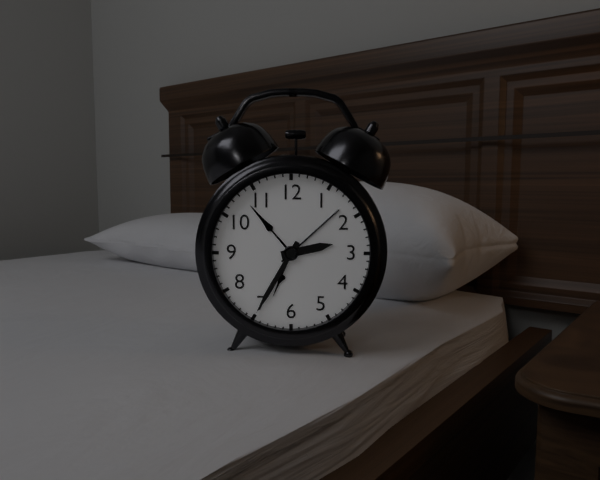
2:35
